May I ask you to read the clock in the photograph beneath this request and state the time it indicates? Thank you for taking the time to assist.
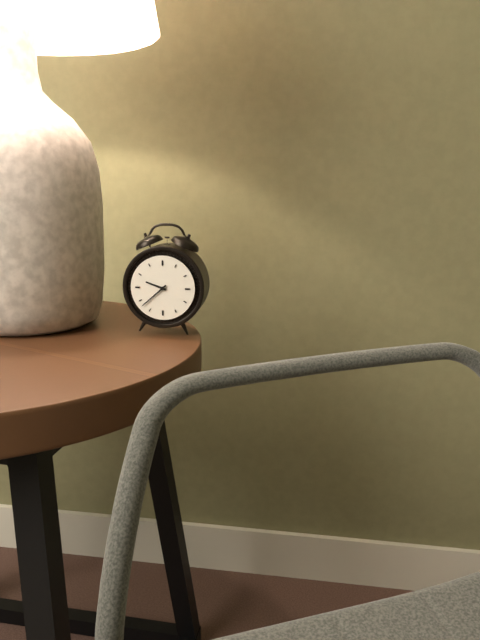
9:38
